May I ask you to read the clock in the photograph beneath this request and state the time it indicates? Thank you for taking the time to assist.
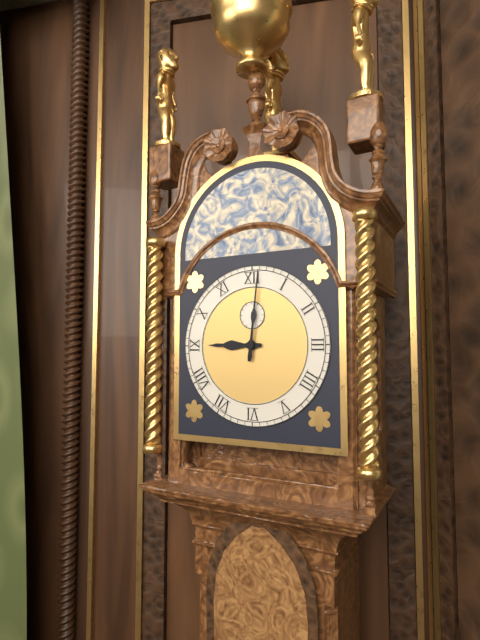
9:01
